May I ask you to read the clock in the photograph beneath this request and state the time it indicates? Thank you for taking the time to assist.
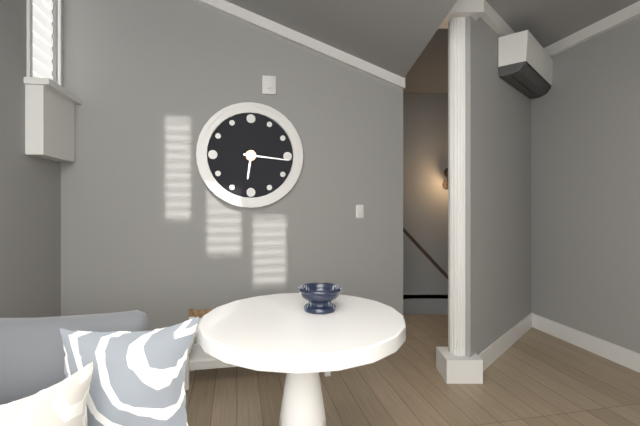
6:16
